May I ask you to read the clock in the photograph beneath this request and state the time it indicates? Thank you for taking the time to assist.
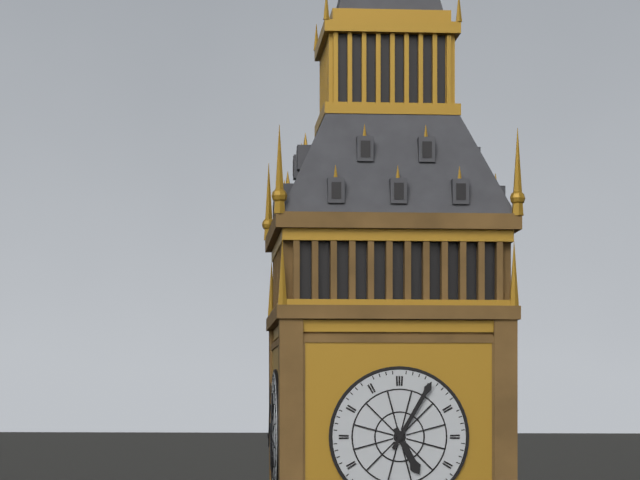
5:05
